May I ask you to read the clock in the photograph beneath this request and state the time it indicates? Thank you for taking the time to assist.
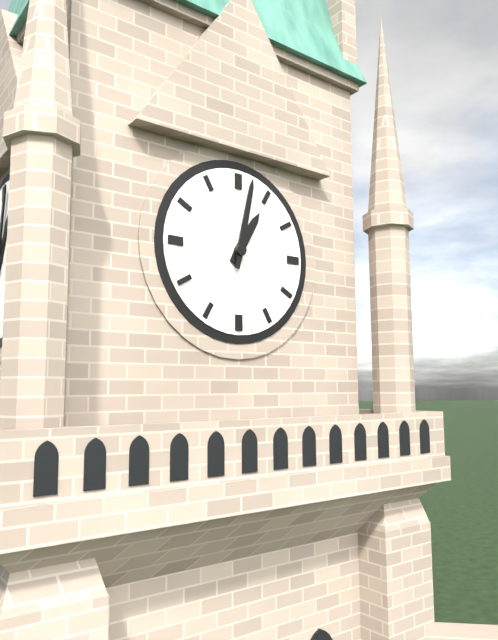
1:02
